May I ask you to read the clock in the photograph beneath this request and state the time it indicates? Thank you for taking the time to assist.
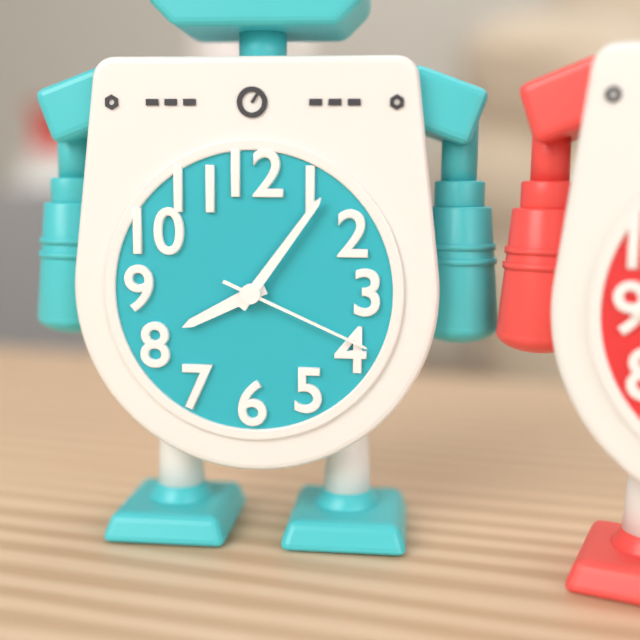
8:06:19
